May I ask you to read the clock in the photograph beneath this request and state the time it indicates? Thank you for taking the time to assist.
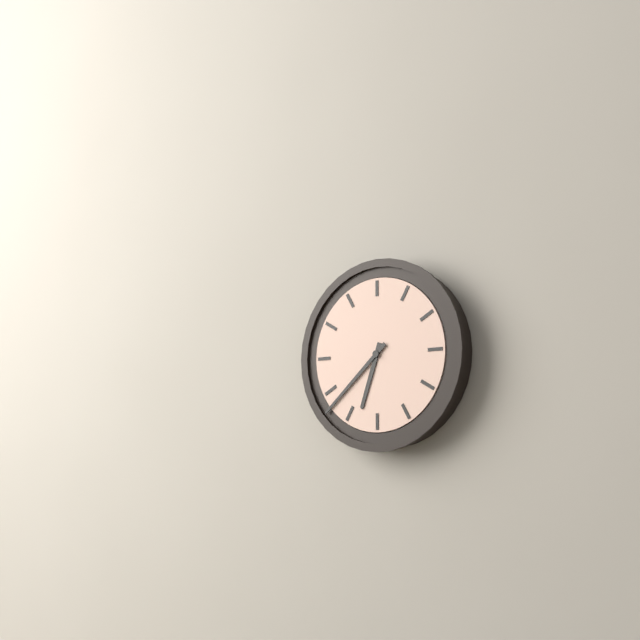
6:38
